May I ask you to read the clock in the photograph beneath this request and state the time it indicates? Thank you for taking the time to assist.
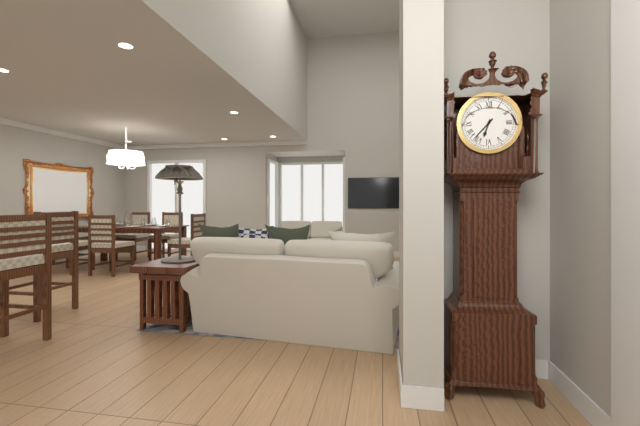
6:37
